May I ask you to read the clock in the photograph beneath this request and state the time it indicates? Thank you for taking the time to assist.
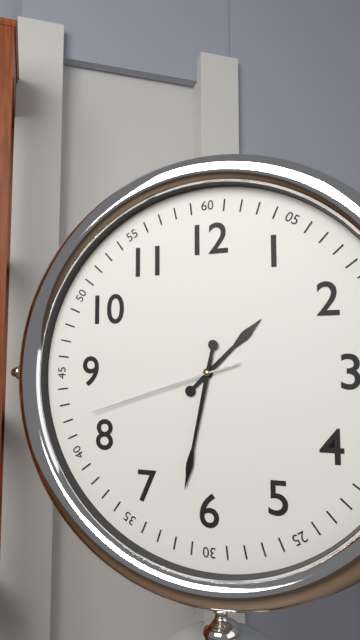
1:32:42
